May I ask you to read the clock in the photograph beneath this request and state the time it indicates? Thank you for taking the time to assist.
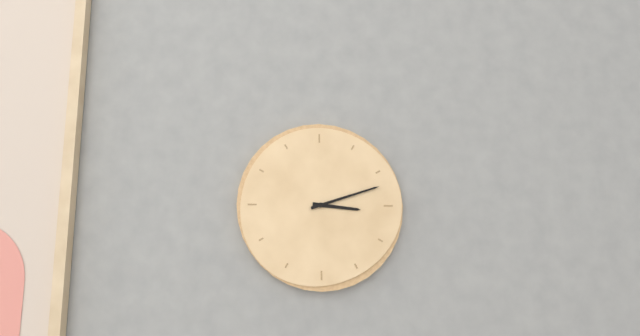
3:12
